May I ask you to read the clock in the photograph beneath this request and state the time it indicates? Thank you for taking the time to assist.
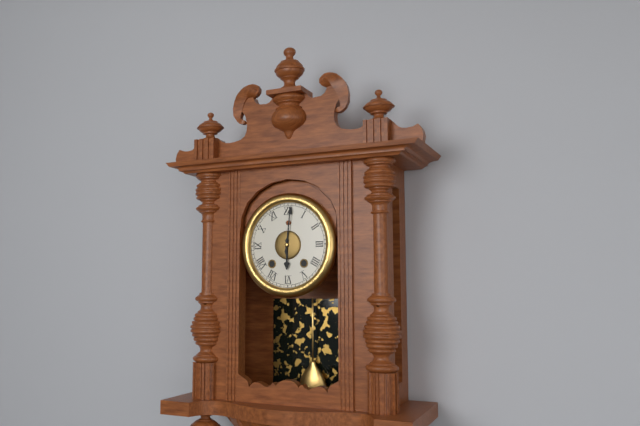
6:01
